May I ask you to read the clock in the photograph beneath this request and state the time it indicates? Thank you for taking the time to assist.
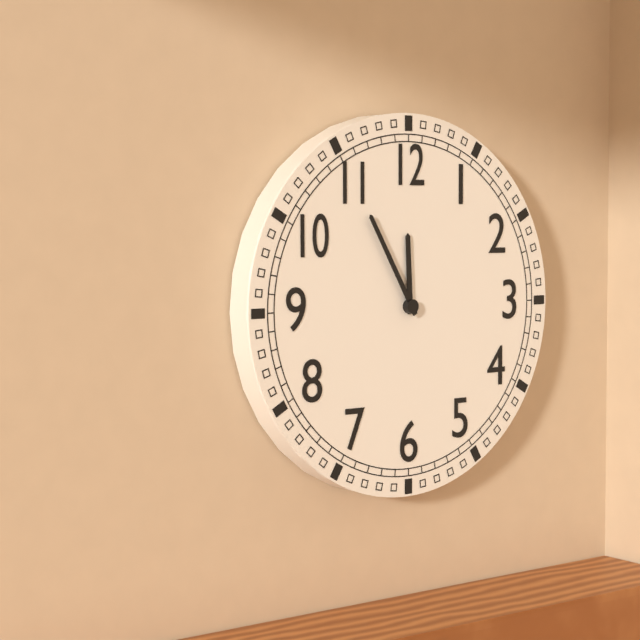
11:55
